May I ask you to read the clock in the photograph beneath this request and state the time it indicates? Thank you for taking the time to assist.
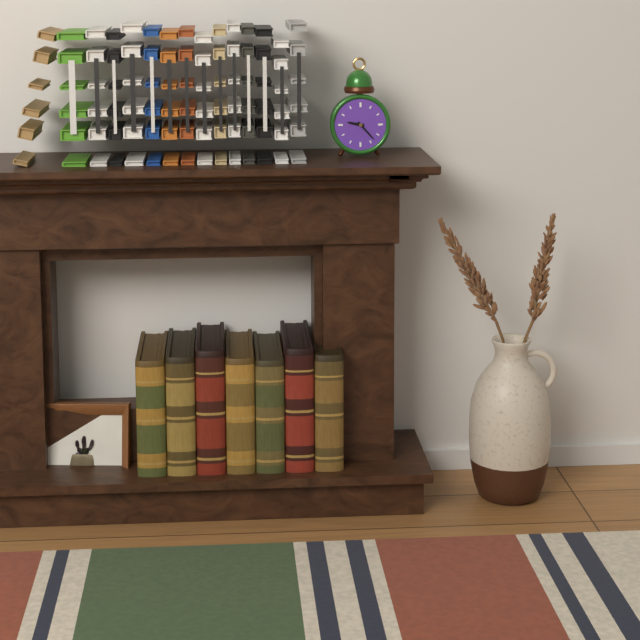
9:23
